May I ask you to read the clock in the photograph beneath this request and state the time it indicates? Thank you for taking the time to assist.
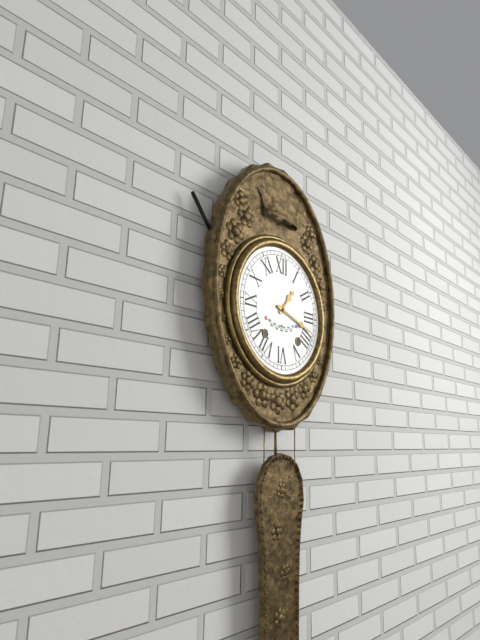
1:18
